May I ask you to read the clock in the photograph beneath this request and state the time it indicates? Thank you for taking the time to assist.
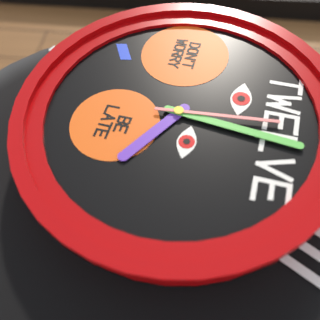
4:01:59
